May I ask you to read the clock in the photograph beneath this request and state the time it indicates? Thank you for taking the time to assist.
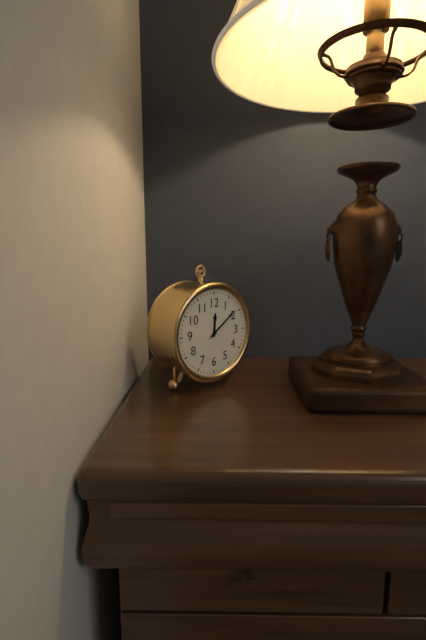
12:09
